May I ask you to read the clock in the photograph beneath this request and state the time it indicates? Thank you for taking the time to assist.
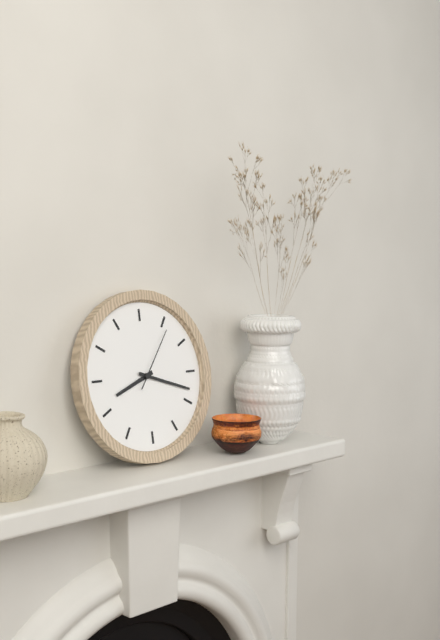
8:18:06
